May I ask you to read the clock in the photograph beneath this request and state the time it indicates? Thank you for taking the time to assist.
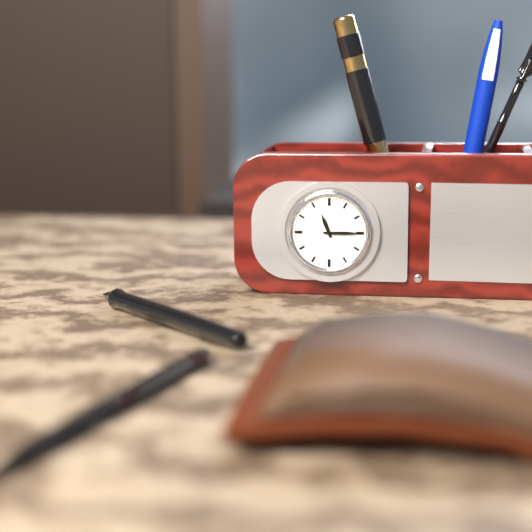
11:15
